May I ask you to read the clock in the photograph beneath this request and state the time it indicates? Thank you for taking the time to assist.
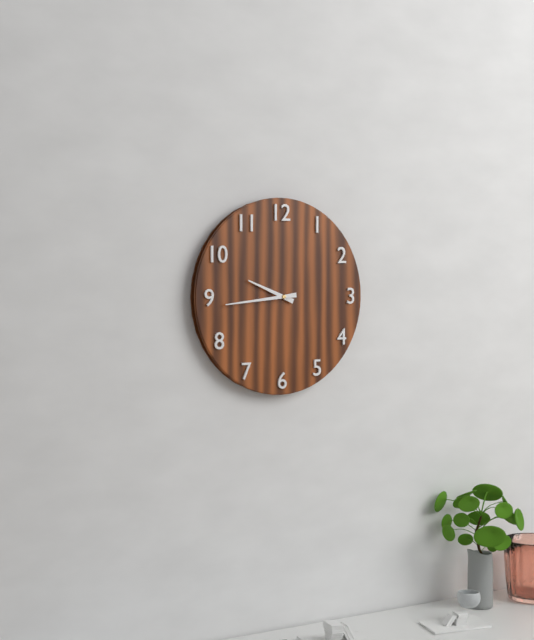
9:44
